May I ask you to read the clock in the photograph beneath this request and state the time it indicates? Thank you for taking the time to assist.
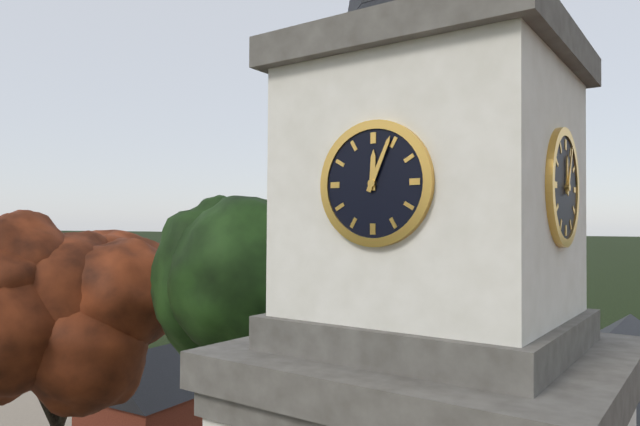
12:04
